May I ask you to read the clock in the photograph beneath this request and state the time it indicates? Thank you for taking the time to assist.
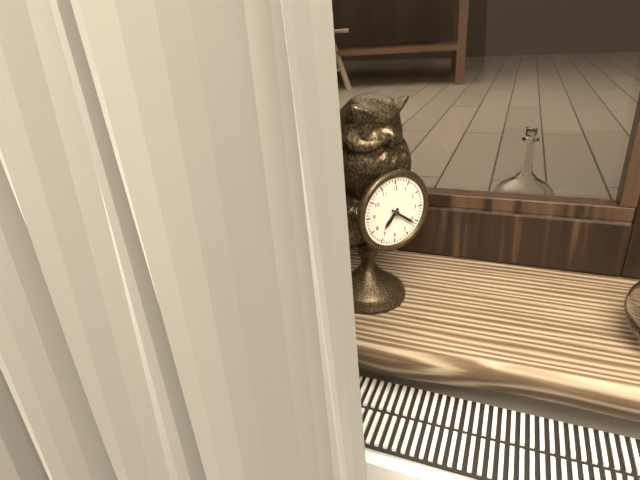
7:21
